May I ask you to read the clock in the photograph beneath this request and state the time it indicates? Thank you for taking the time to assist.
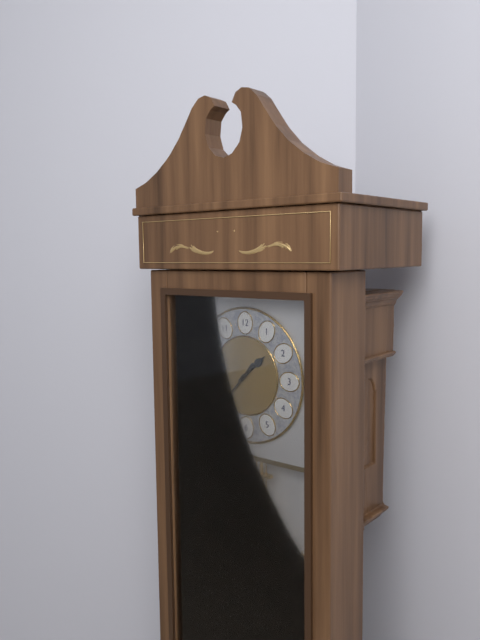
1:37
